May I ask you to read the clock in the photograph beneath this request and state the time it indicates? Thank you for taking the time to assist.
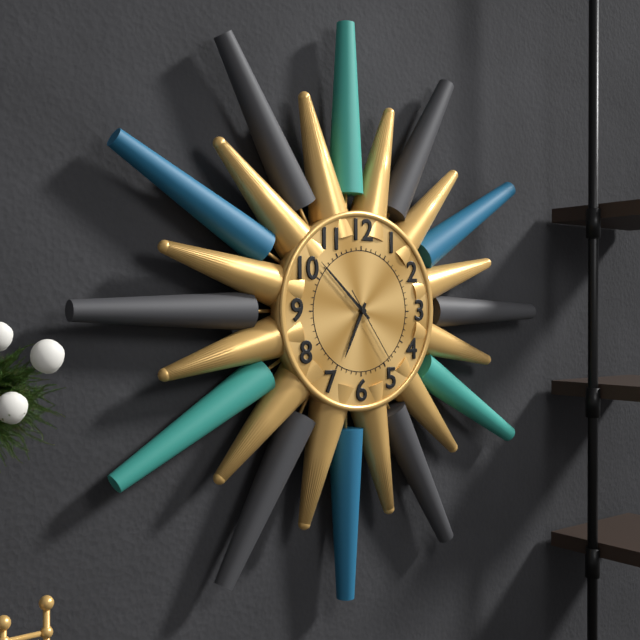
6:52:24
